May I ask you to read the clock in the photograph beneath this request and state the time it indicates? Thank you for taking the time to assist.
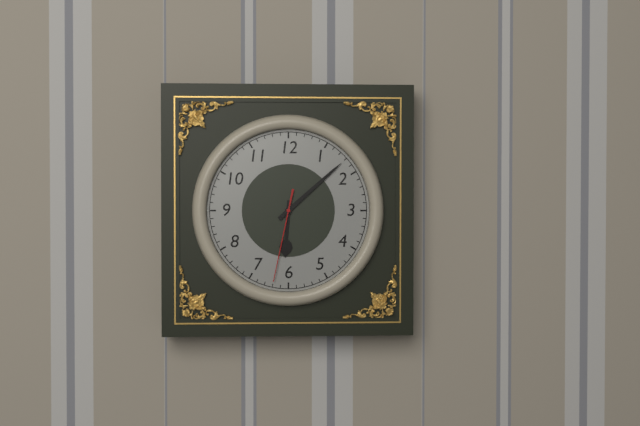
6:08:32
